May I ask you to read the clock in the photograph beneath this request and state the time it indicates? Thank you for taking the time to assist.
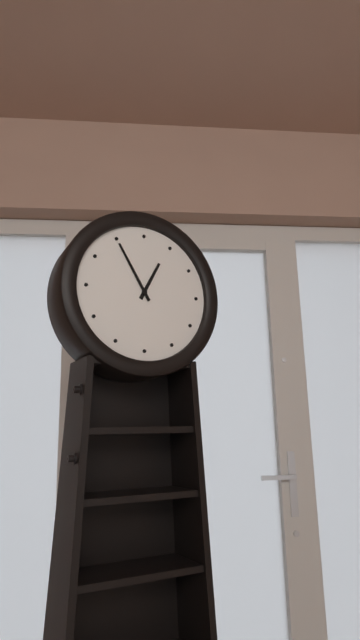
12:55
